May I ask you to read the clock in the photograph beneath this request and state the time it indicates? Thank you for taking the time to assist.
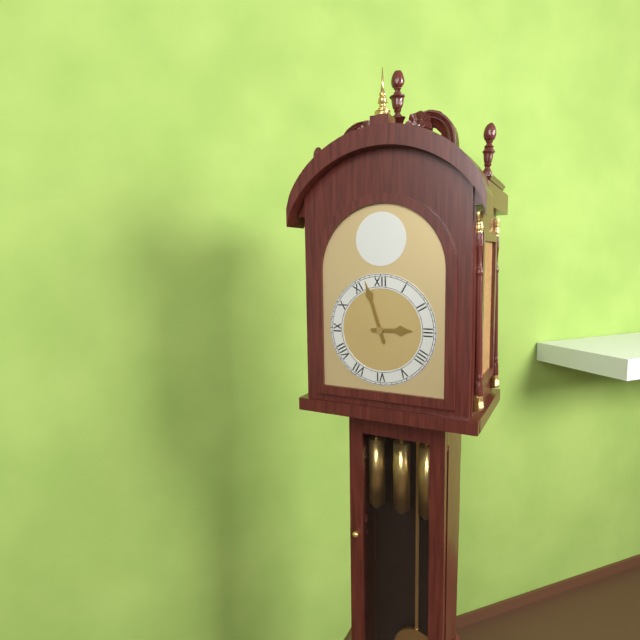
2:57
